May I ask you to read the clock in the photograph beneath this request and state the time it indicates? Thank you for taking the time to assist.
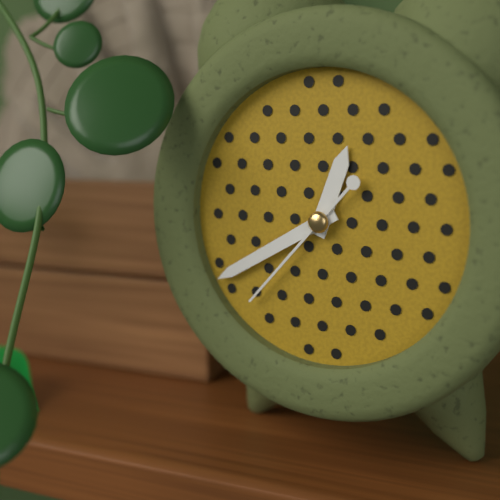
12:40:37
